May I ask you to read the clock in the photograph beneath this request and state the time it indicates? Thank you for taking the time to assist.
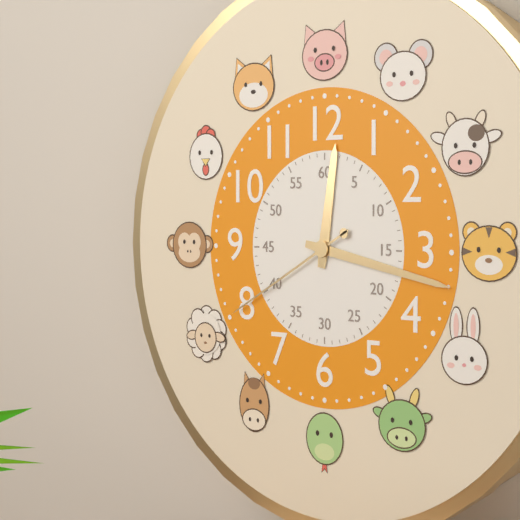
12:17:40
